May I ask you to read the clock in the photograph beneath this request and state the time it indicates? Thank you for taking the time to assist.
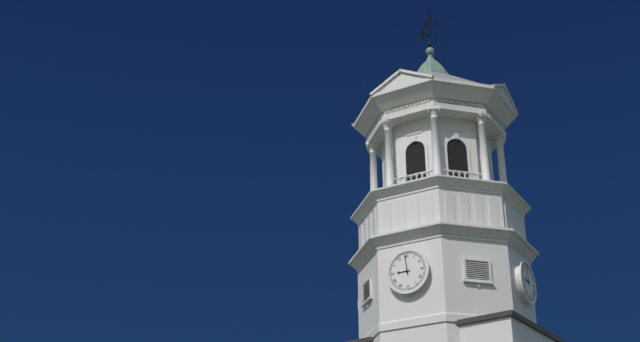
8:59
